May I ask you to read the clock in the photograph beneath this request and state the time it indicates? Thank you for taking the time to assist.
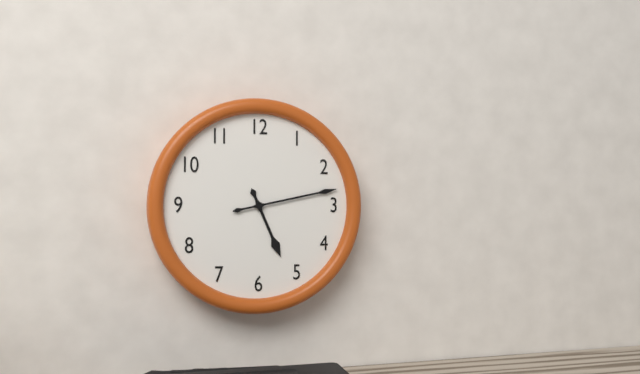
5:13
